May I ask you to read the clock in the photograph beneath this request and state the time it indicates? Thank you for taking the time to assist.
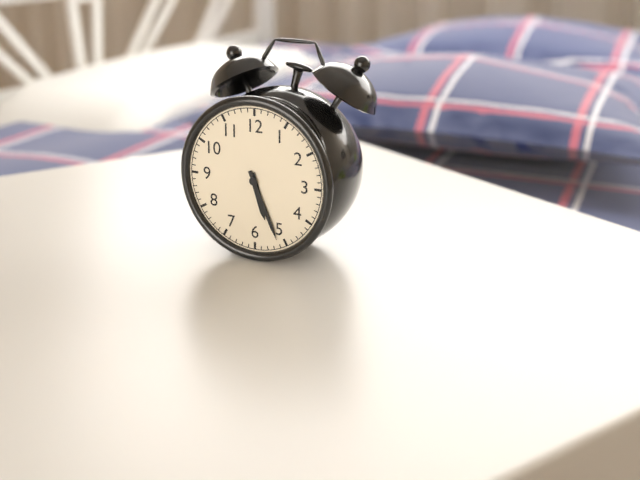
5:26
